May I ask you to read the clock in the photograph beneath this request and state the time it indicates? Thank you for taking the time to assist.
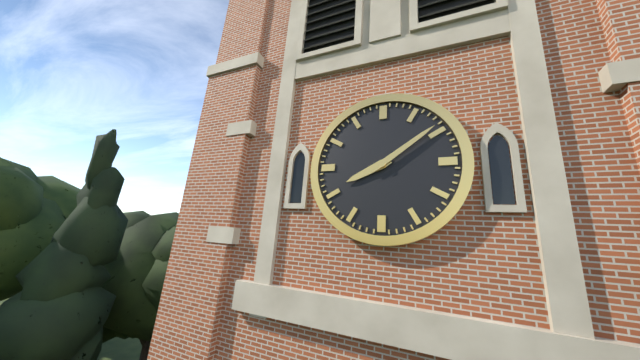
8:09
